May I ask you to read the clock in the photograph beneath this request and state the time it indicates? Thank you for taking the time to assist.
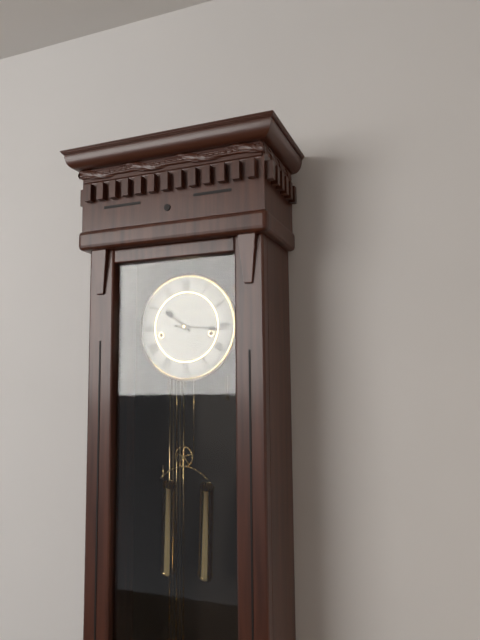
10:16
